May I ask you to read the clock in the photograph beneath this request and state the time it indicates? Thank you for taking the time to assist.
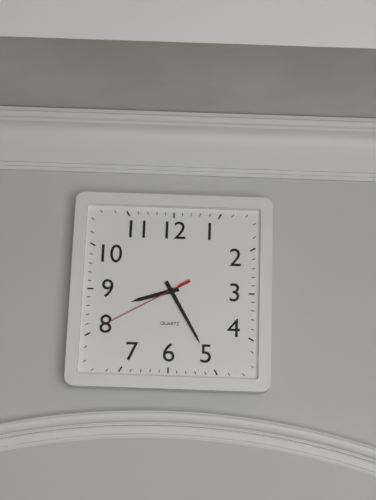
8:25:40
